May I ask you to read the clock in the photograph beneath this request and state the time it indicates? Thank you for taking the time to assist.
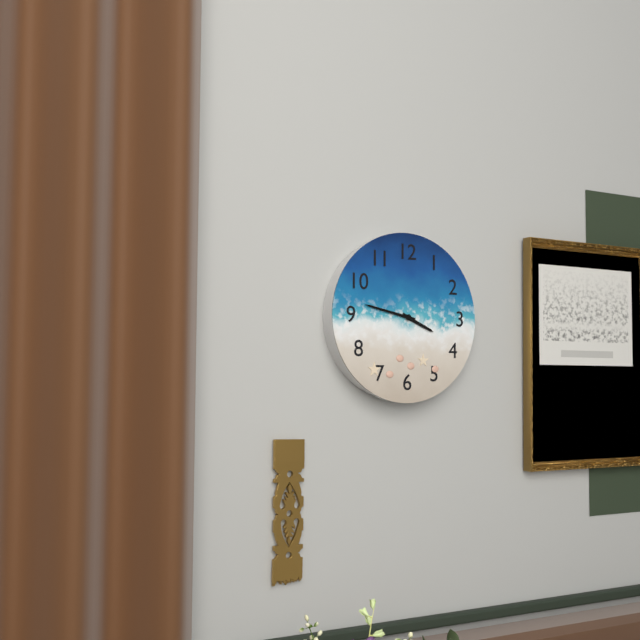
3:47
